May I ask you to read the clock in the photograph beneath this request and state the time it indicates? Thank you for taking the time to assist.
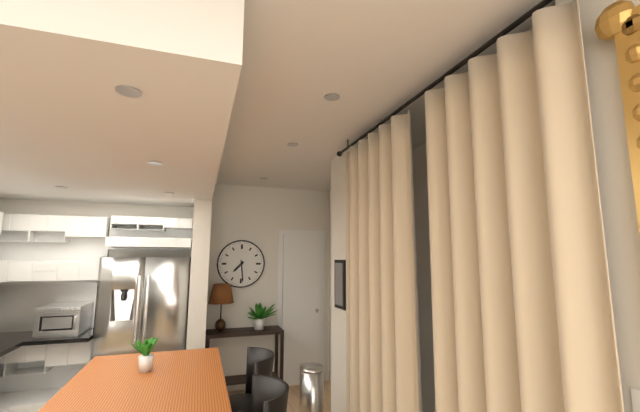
7:29
